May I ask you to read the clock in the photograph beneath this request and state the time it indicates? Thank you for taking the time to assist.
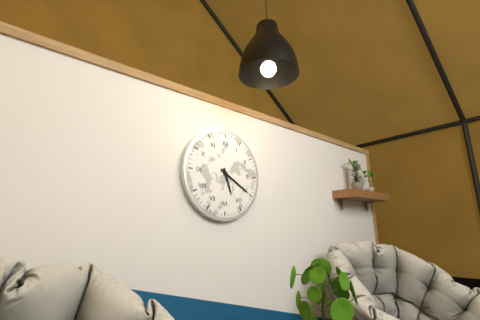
5:20
